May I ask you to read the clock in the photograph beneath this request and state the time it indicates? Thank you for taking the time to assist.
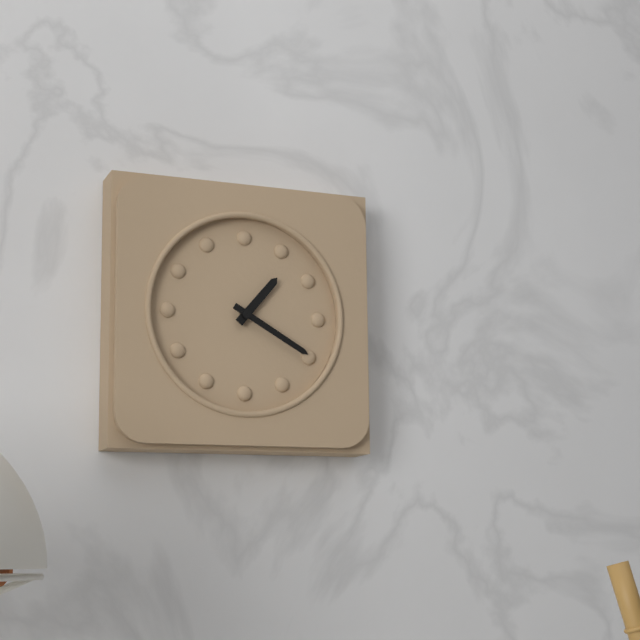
1:20
